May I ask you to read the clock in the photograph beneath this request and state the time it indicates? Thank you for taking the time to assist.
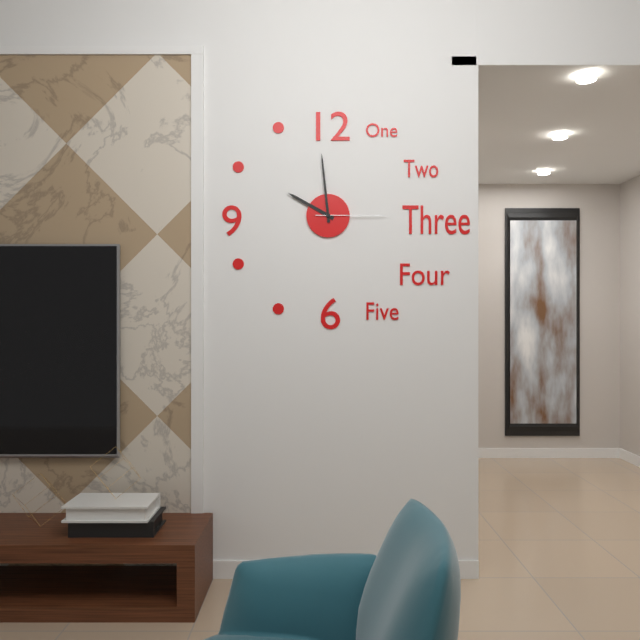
9:59:15
